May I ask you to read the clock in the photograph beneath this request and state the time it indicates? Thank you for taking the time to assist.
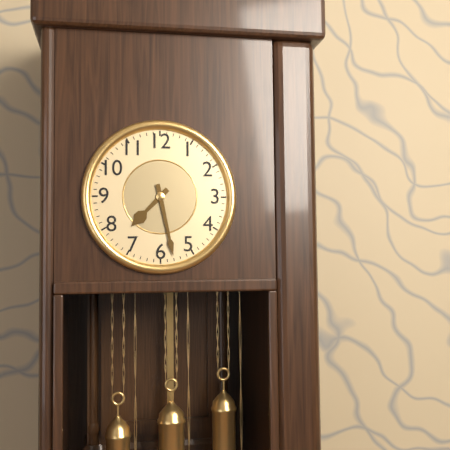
7:28
